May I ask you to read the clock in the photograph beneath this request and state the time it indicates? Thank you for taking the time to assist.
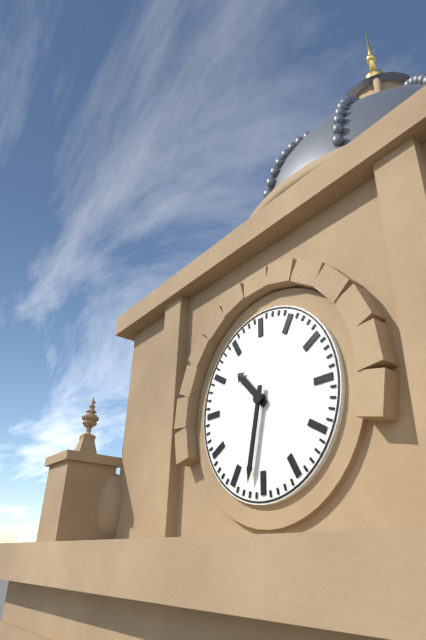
10:32
